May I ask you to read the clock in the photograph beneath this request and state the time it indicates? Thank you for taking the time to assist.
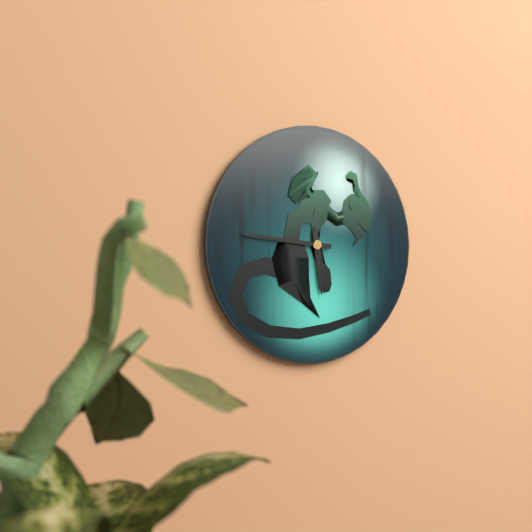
5:46
